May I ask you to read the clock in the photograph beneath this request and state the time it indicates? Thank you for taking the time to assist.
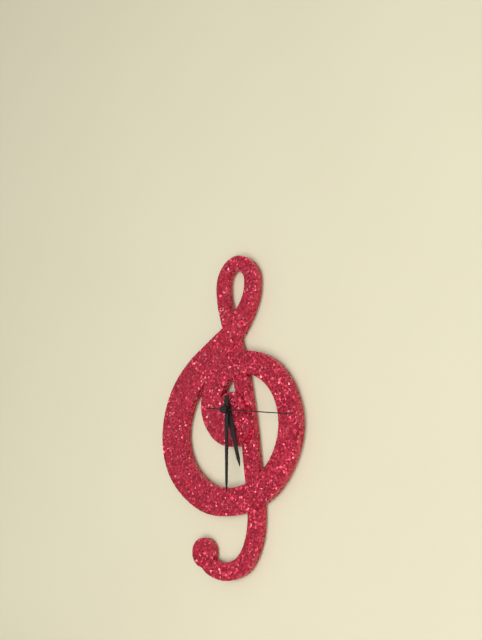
5:30:16
